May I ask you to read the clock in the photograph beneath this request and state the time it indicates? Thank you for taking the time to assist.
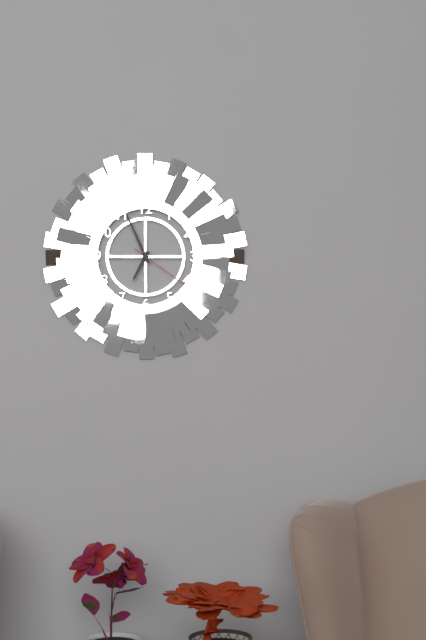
6:56:21
